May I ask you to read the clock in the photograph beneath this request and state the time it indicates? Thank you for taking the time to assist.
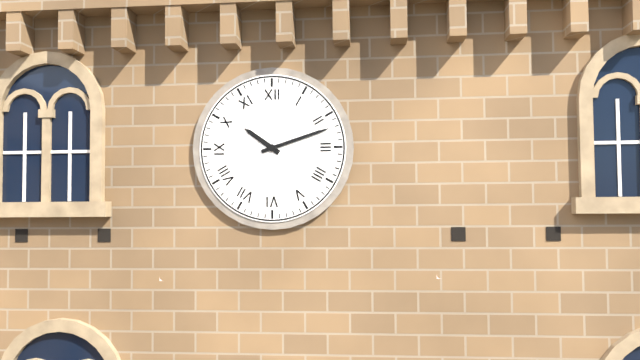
10:12
